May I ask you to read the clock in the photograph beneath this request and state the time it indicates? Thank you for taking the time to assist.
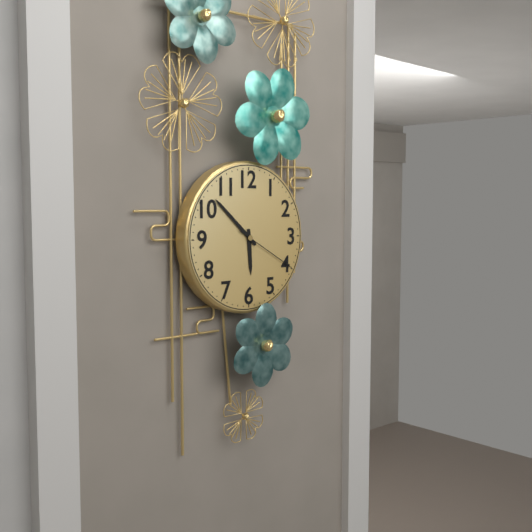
5:52:20
